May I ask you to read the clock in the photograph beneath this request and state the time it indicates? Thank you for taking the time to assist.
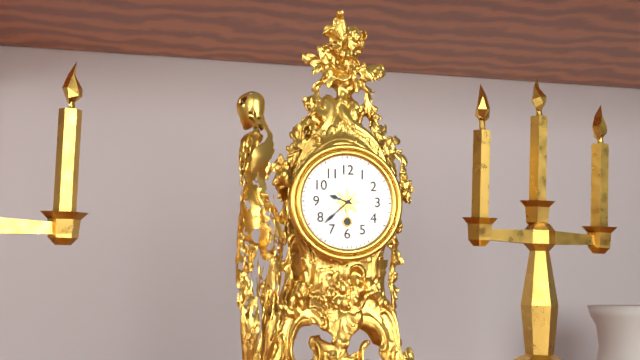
9:38
